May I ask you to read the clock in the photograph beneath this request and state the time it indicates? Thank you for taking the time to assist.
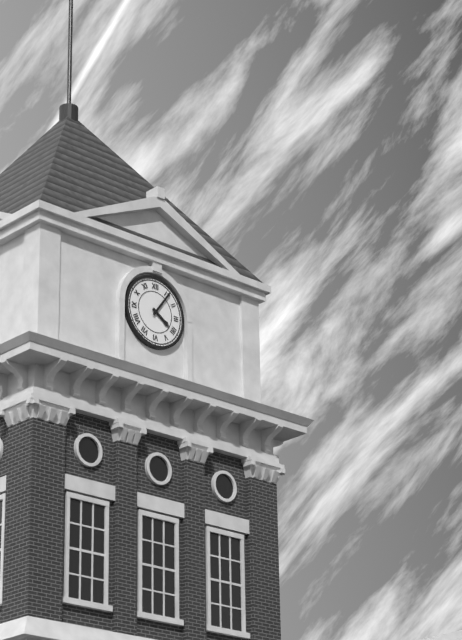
4:06
